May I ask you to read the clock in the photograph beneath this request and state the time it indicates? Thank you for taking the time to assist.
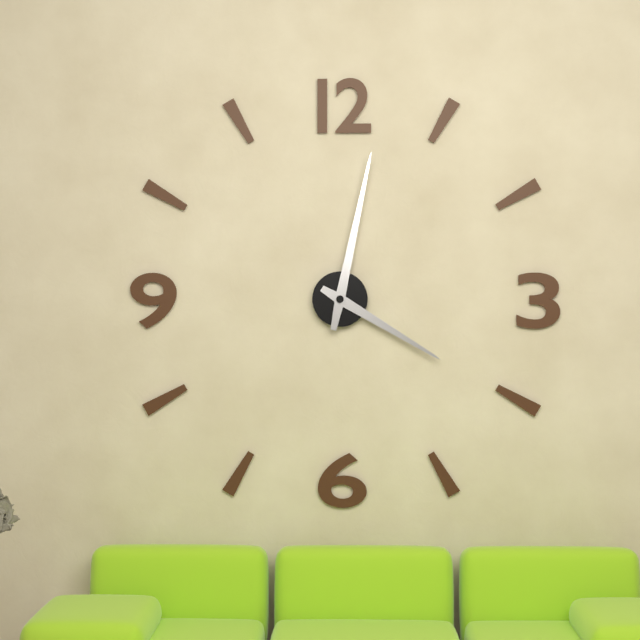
4:02
